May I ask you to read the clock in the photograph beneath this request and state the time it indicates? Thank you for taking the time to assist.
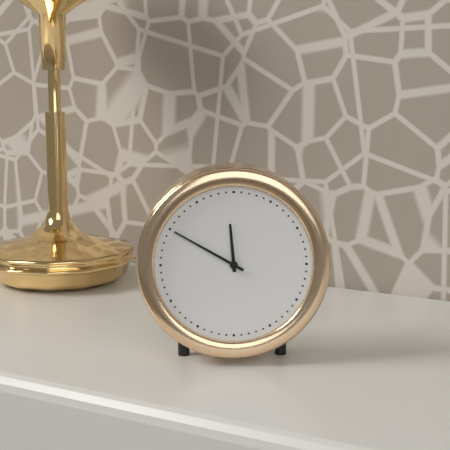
11:50
